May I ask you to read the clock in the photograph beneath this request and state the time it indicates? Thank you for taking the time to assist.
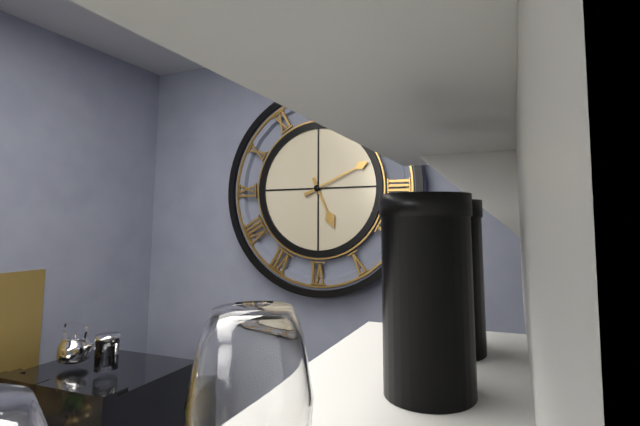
5:11
